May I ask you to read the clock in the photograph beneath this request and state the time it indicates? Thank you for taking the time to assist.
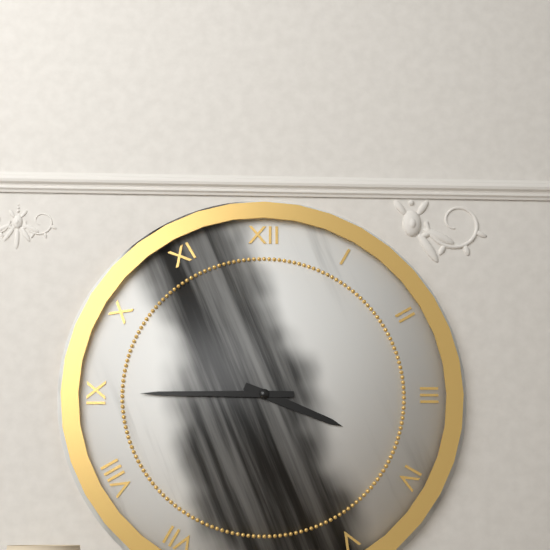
3:45
